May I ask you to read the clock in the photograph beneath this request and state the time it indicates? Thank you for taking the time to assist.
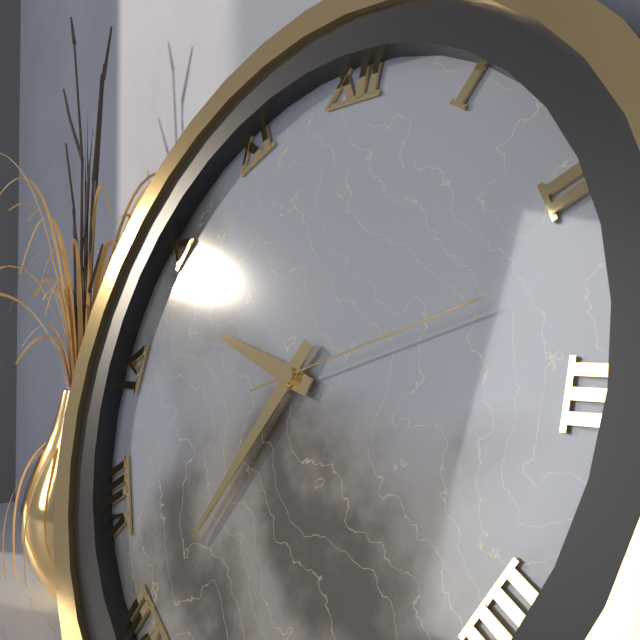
9:35:12
